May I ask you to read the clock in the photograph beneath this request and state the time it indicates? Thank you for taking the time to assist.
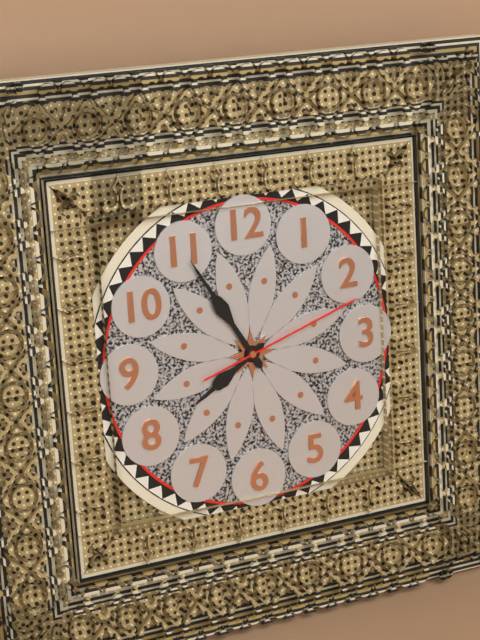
7:55:12
